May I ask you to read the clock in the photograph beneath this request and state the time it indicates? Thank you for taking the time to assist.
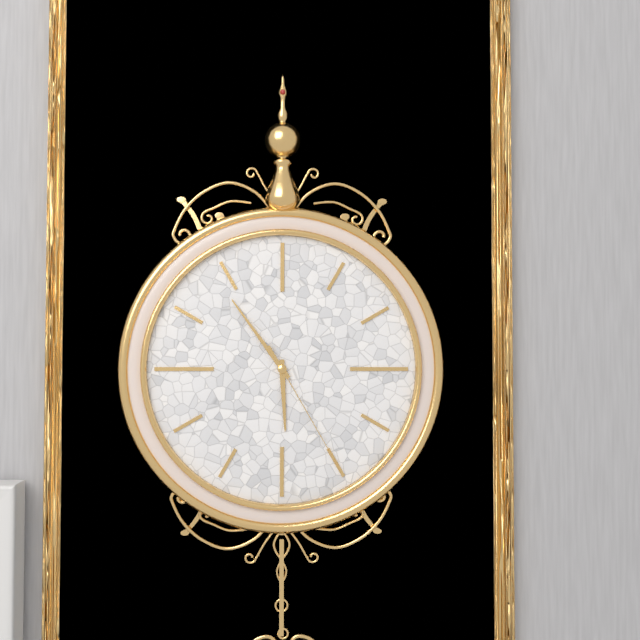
5:54:25
